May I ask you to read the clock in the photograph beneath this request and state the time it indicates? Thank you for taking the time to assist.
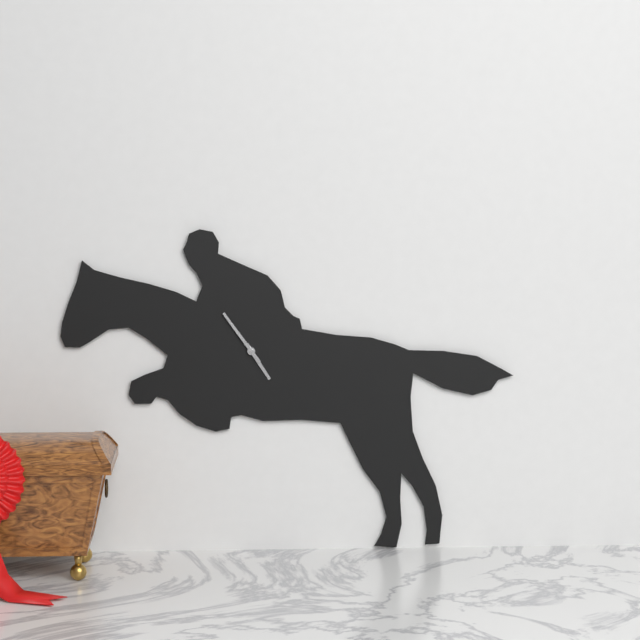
4:54
